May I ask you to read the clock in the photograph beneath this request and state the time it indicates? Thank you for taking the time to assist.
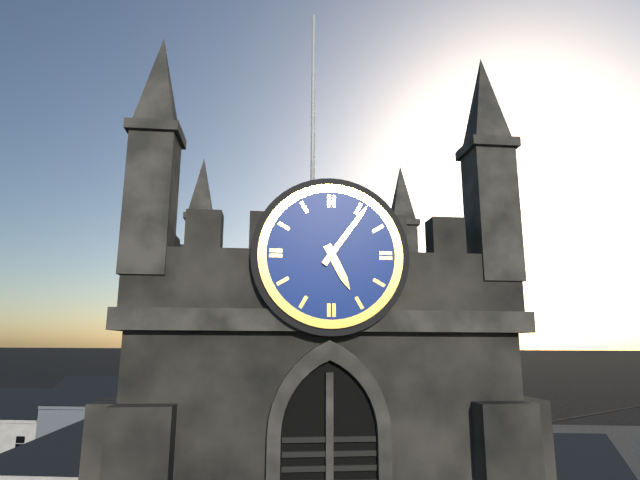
5:06
